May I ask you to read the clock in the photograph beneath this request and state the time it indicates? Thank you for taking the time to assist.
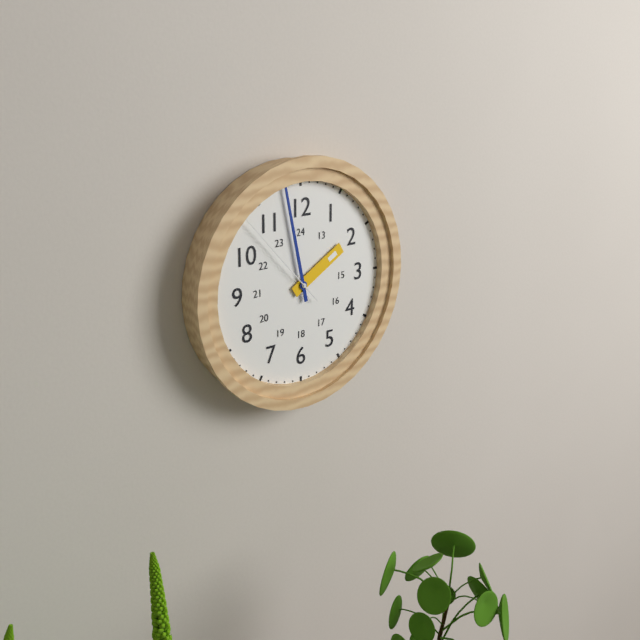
1:58:53
